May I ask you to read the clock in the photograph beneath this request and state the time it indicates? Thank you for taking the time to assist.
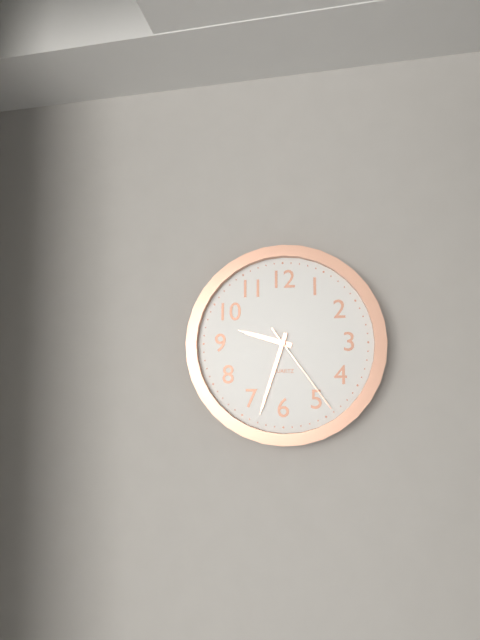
9:33:24
